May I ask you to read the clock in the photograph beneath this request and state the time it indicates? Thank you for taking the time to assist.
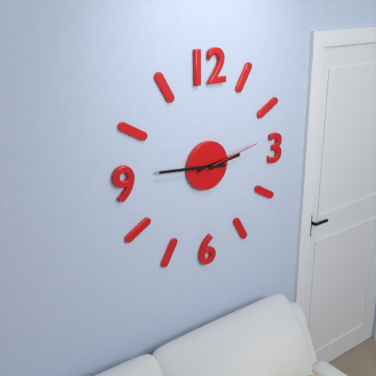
2:46:13
